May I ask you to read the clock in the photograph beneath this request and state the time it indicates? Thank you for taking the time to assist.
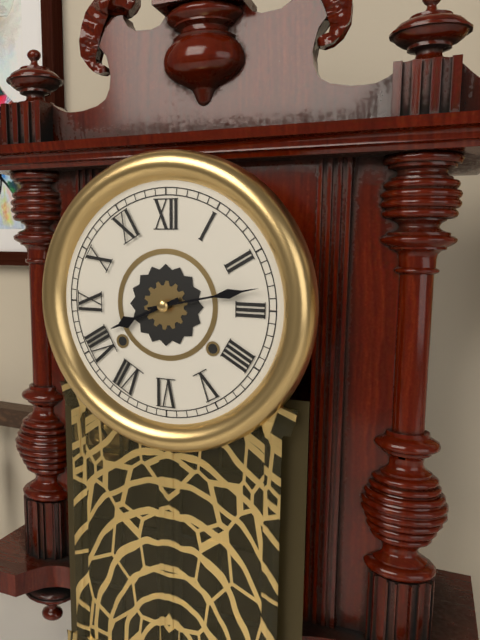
8:13
